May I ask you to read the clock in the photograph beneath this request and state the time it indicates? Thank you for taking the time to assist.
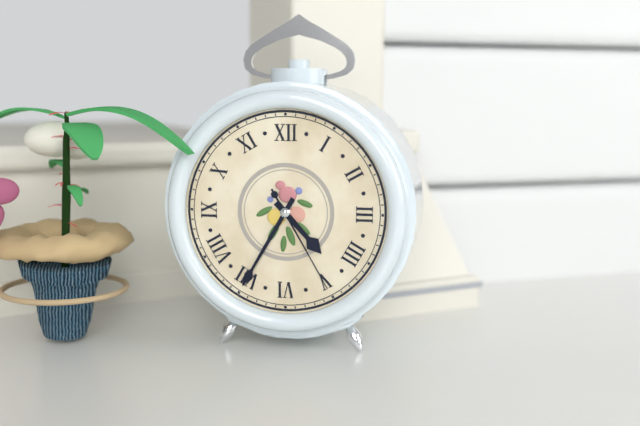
4:35:25
